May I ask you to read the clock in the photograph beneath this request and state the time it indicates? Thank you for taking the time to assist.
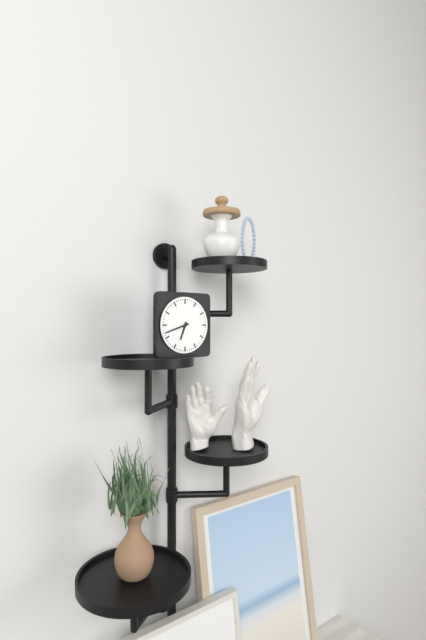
6:42
